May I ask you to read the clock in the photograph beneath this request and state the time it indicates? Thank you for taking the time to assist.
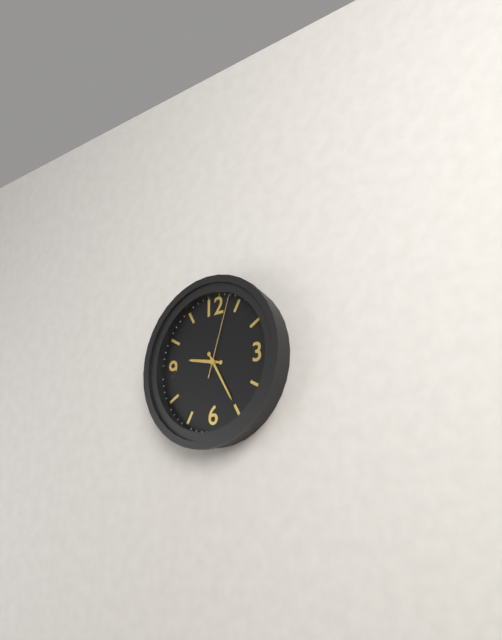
9:25:03
